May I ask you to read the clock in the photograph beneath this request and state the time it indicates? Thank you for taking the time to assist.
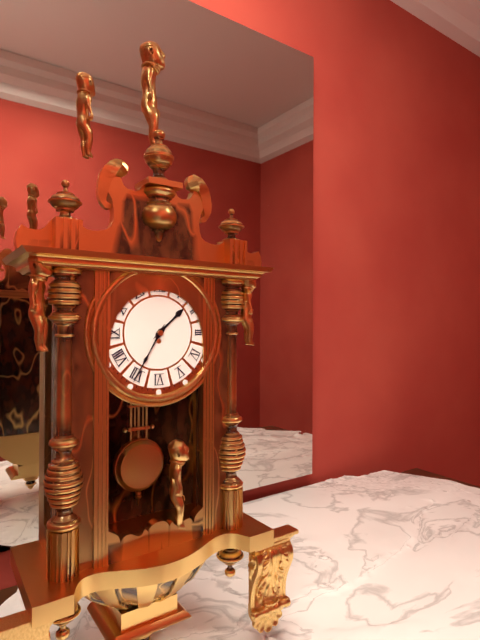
1:35
